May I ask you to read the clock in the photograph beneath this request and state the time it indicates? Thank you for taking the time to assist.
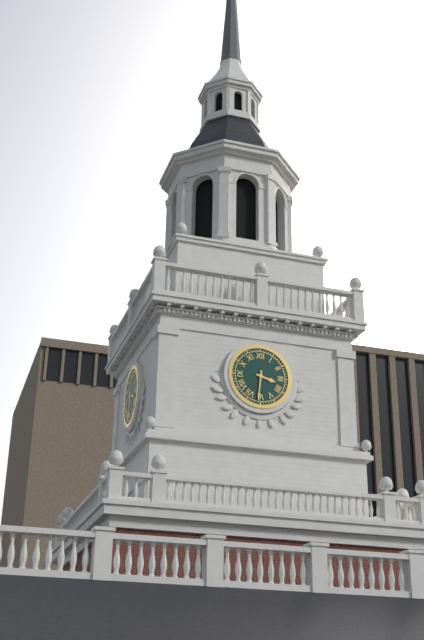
3:31
